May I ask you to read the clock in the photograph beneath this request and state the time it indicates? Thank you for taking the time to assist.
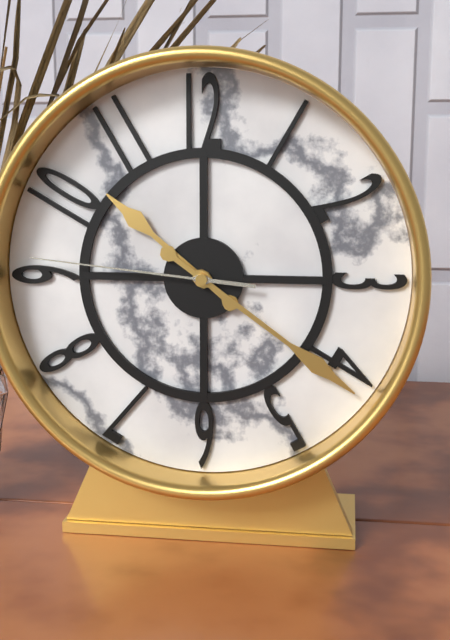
10:21:46
